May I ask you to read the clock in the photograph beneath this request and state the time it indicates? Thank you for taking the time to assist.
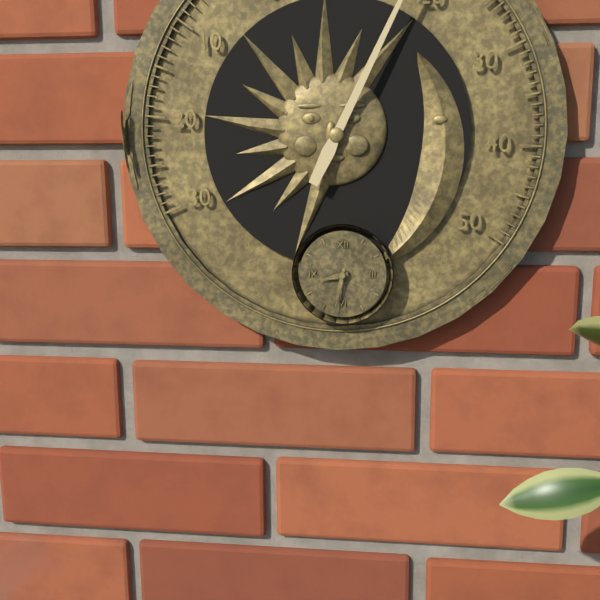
8:32
